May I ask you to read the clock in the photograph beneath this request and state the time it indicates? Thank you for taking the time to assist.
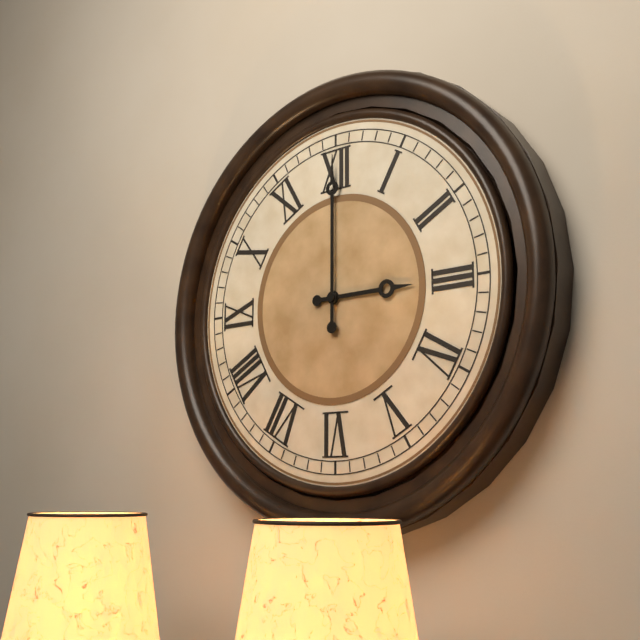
3:00
